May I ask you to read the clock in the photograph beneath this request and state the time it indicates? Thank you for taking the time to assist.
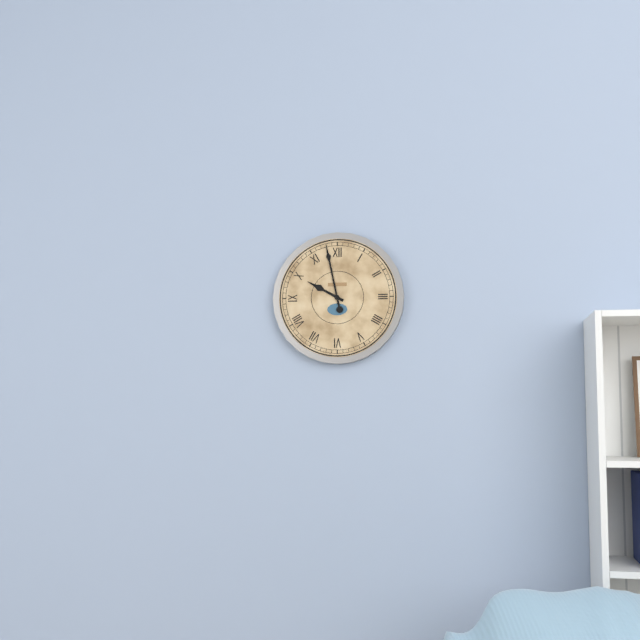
9:58
